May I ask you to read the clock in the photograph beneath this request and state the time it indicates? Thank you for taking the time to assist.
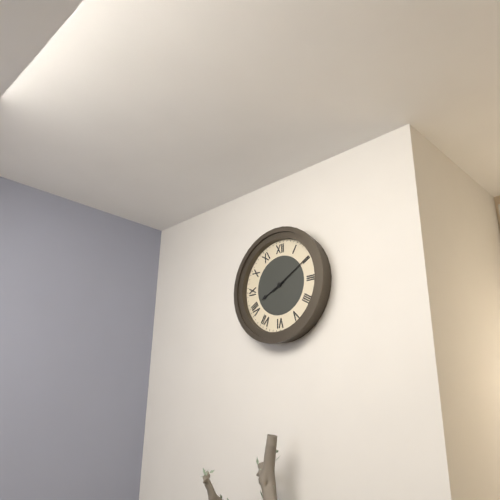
8:10
